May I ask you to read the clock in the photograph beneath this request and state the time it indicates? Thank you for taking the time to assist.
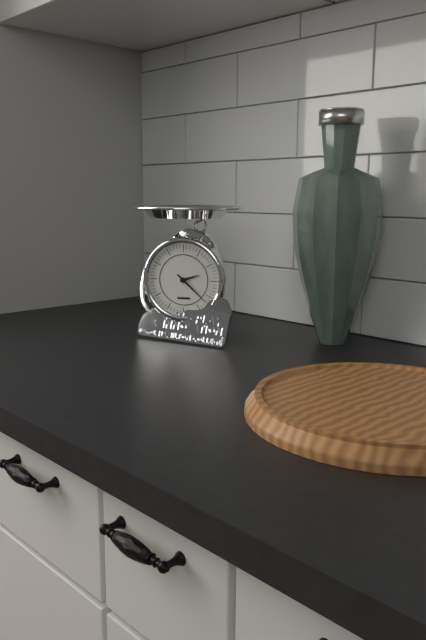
2:22
